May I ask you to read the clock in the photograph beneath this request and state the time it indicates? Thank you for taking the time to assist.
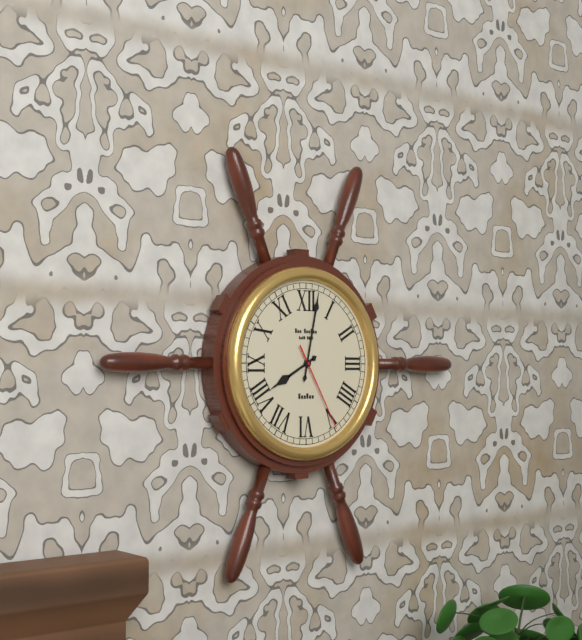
8:02:25
